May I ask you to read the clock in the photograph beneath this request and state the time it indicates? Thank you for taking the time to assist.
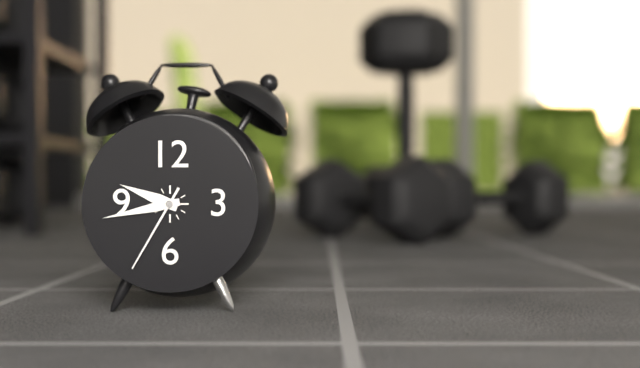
9:43:35
